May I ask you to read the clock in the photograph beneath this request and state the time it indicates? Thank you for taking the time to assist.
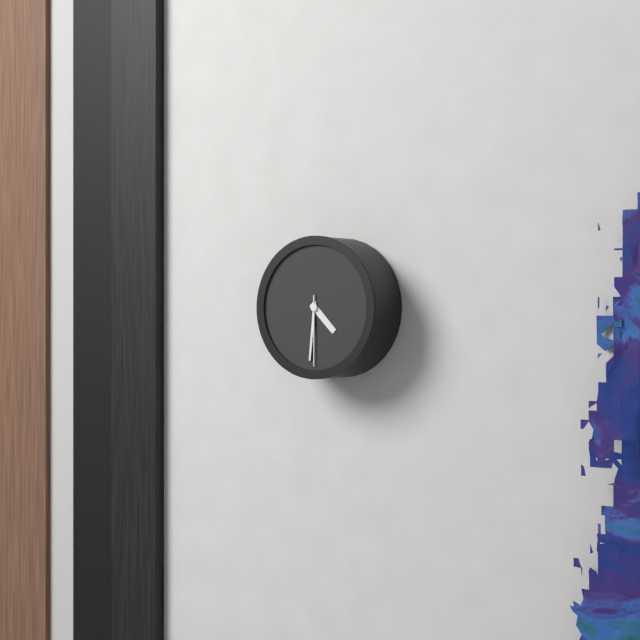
4:31:30
